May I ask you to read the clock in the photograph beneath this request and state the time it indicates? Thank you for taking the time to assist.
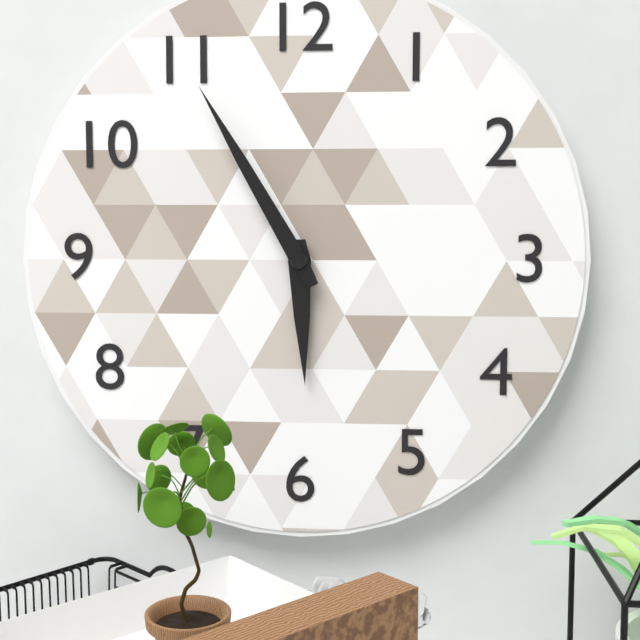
5:55
